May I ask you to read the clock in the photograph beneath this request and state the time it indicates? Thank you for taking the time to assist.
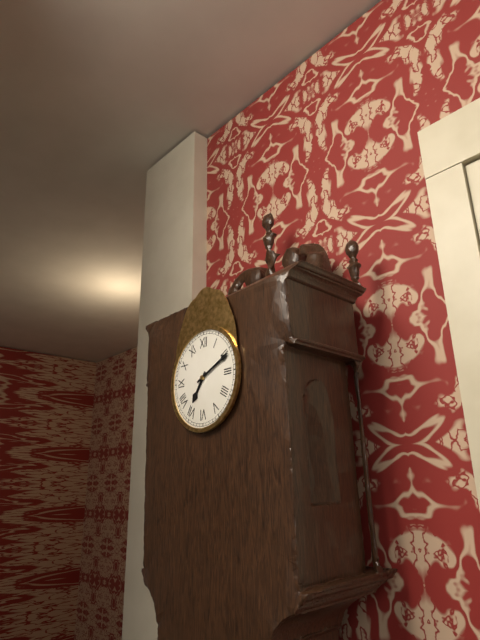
7:11
